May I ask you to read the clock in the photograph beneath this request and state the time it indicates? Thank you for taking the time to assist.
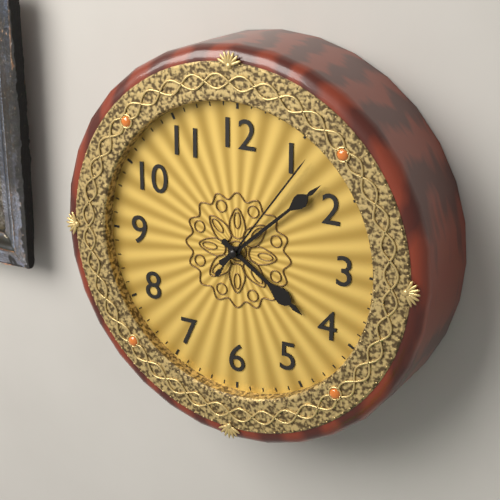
4:08:06
